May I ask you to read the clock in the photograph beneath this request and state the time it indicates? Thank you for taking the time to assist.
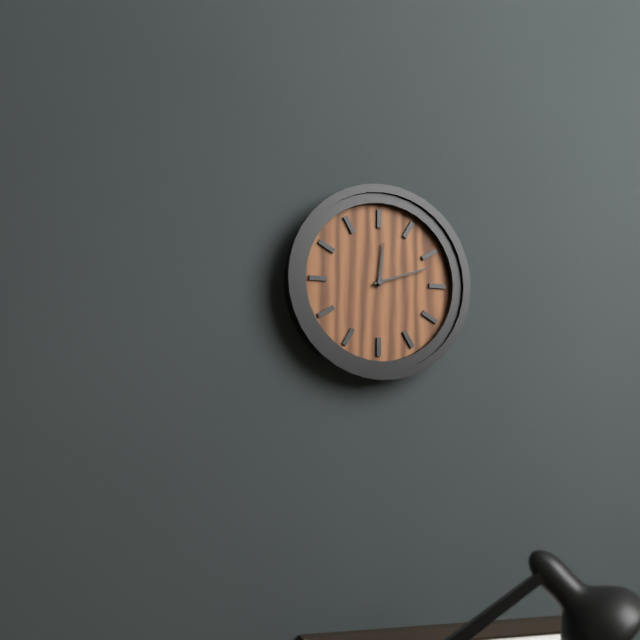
12:12
